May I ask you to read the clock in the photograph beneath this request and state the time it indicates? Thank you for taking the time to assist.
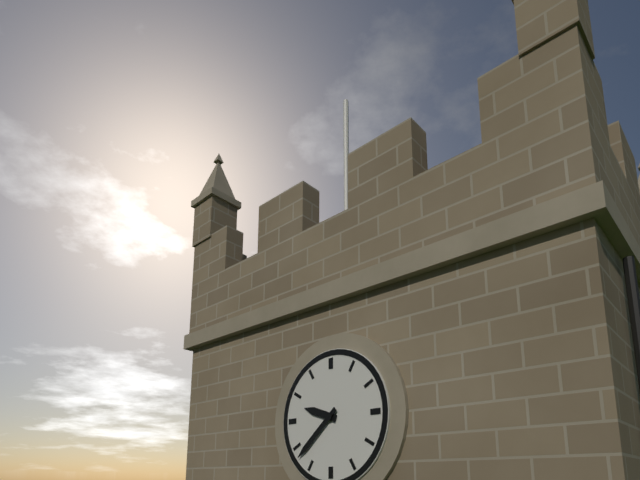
9:38
